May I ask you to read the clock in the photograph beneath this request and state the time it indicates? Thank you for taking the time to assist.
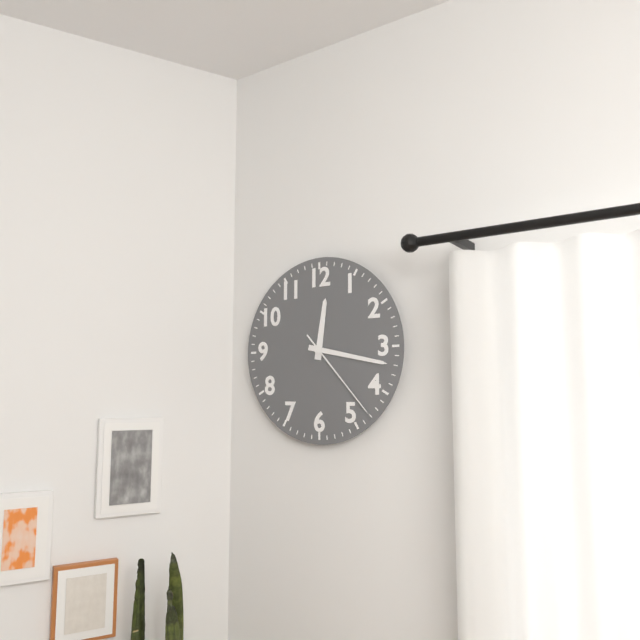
12:17:23
